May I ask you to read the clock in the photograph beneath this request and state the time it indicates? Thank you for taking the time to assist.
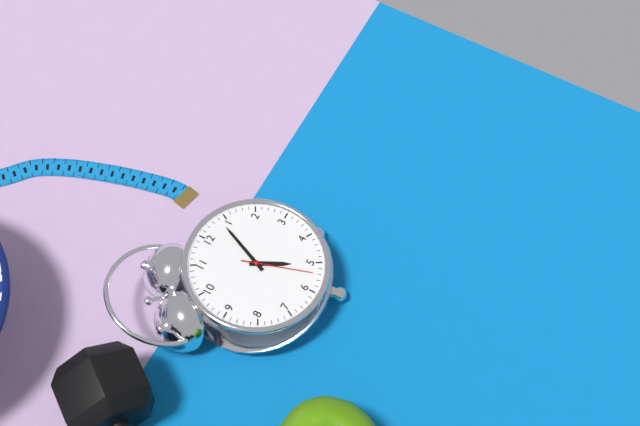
5:04:27
